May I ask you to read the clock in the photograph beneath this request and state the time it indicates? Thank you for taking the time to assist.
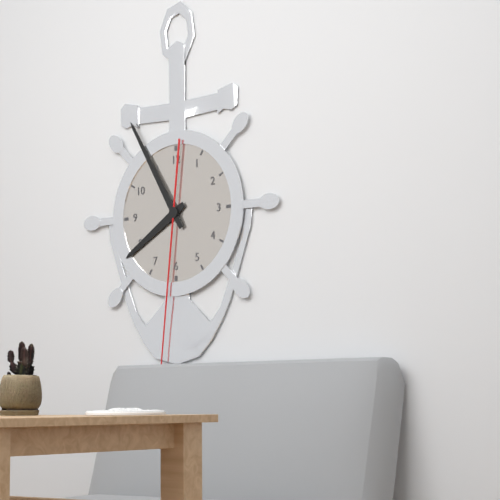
7:55:31
